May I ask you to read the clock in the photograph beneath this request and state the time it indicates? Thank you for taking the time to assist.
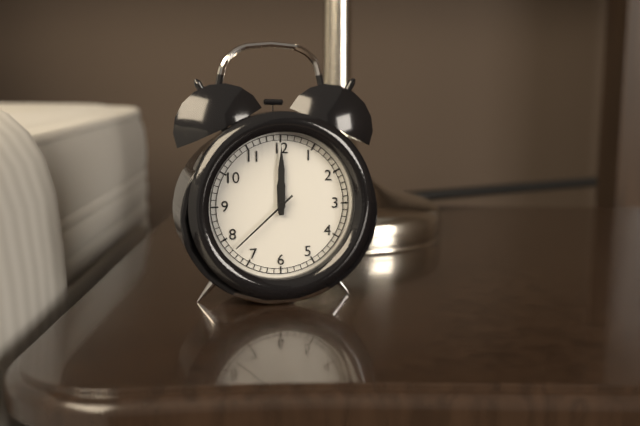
12:00:38
